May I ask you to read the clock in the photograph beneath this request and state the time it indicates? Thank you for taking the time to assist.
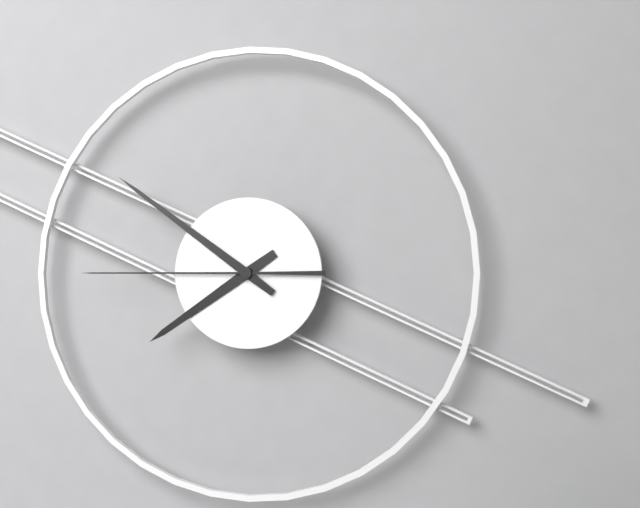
7:51:45
